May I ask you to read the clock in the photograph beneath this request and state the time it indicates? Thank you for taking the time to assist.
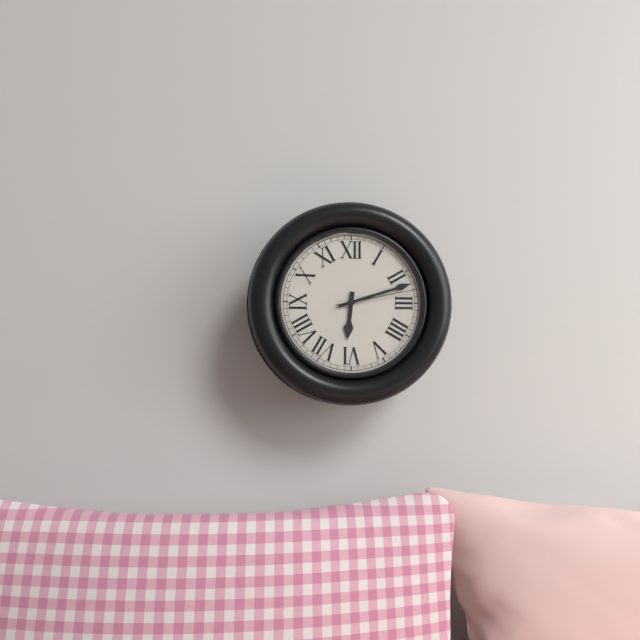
6:12:13
